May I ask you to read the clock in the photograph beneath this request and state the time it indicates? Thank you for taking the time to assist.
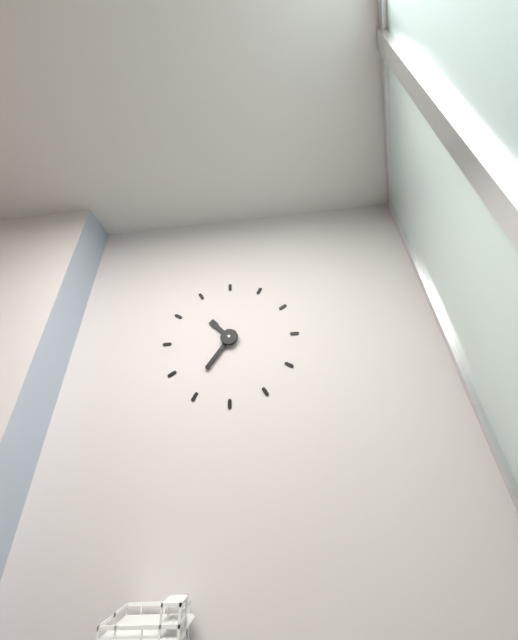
10:36
